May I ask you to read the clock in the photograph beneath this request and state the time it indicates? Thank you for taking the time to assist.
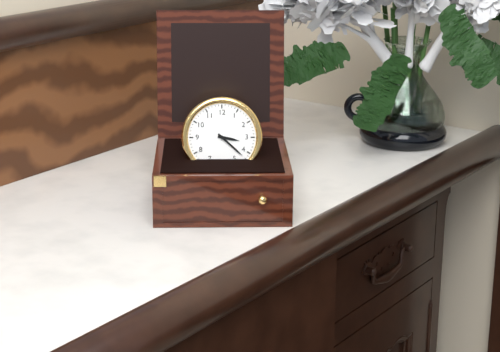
3:22
